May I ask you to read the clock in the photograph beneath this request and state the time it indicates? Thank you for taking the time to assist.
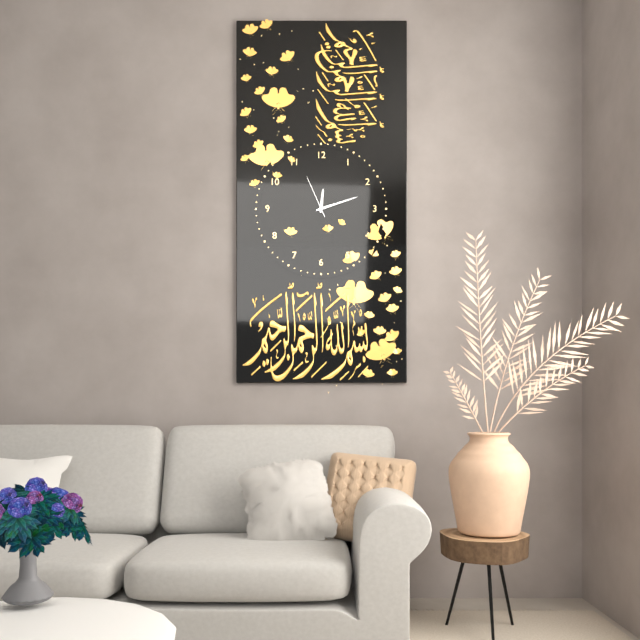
12:12
